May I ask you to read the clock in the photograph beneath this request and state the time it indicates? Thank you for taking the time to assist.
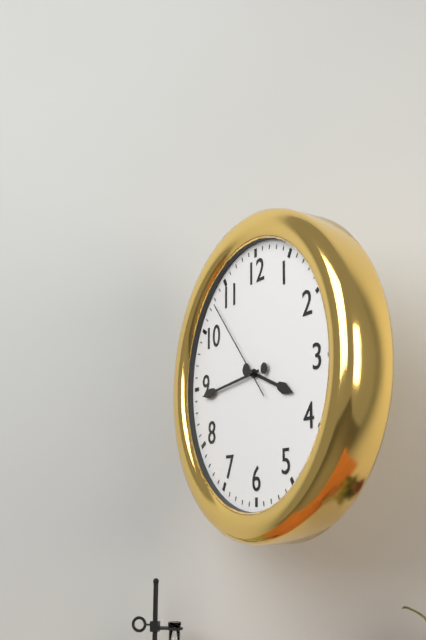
3:44:53
